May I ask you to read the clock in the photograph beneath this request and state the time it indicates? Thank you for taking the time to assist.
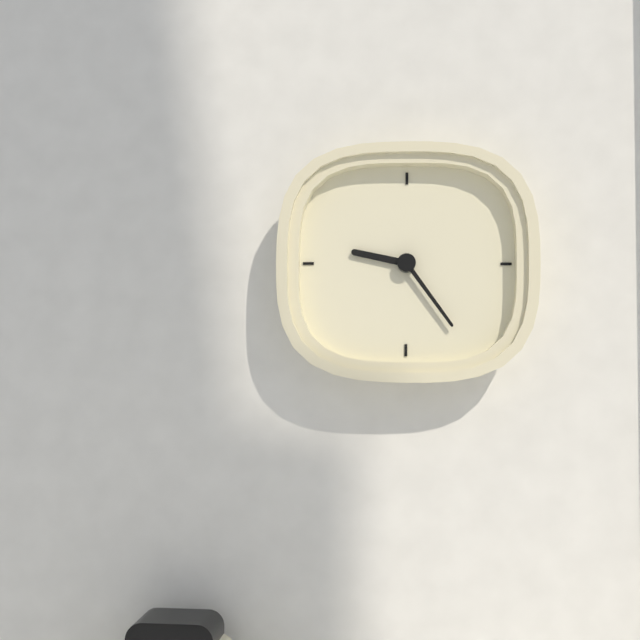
9:24
